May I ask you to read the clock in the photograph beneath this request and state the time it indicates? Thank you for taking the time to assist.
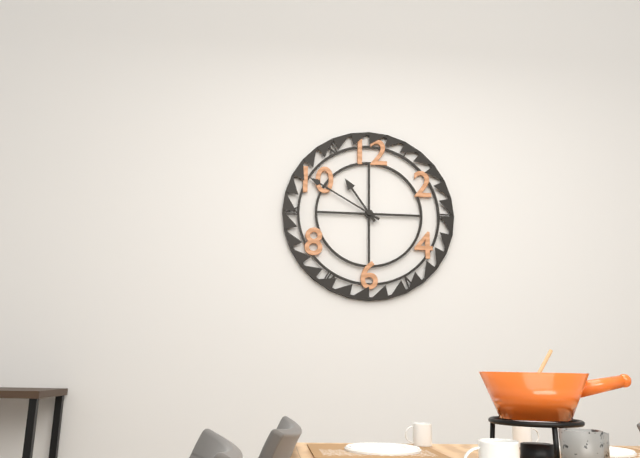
10:50
